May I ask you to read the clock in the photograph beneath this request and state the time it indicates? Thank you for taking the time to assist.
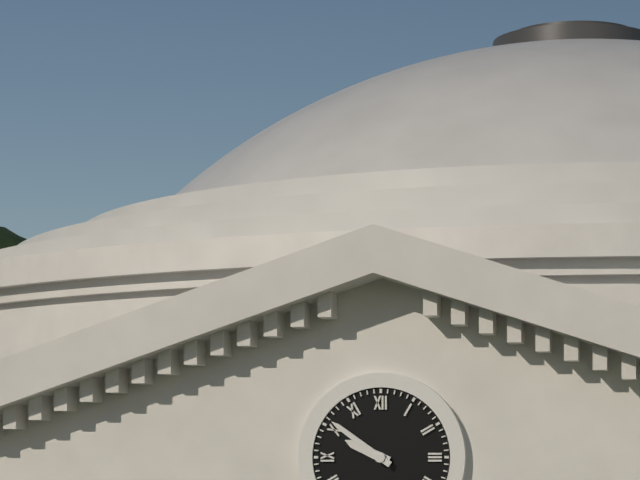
9:51
